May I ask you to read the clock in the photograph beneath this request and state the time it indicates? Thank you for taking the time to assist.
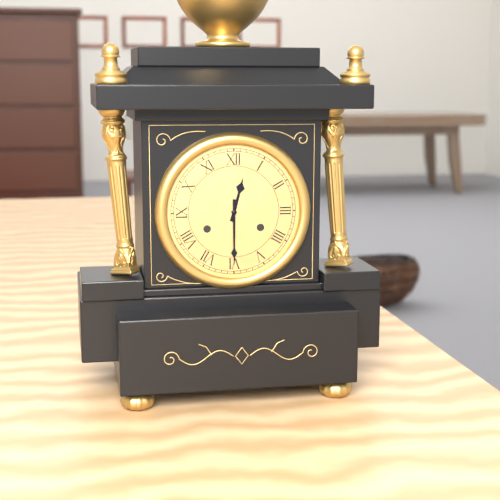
12:30
